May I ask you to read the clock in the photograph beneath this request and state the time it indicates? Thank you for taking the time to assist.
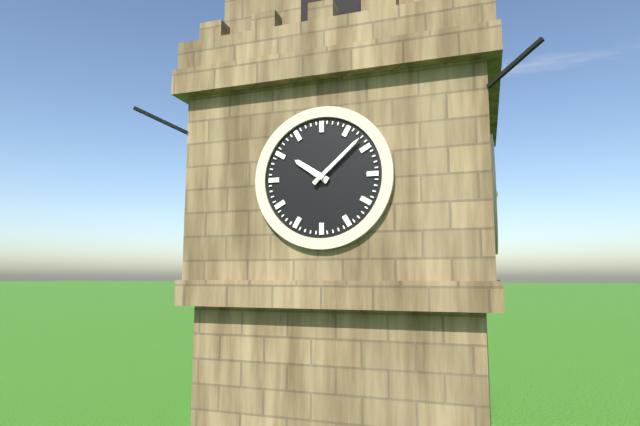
10:08
